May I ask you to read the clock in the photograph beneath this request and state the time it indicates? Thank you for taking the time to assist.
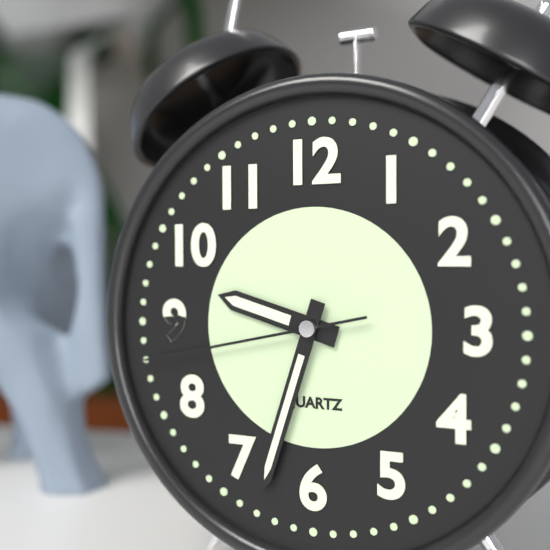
9:33:43
